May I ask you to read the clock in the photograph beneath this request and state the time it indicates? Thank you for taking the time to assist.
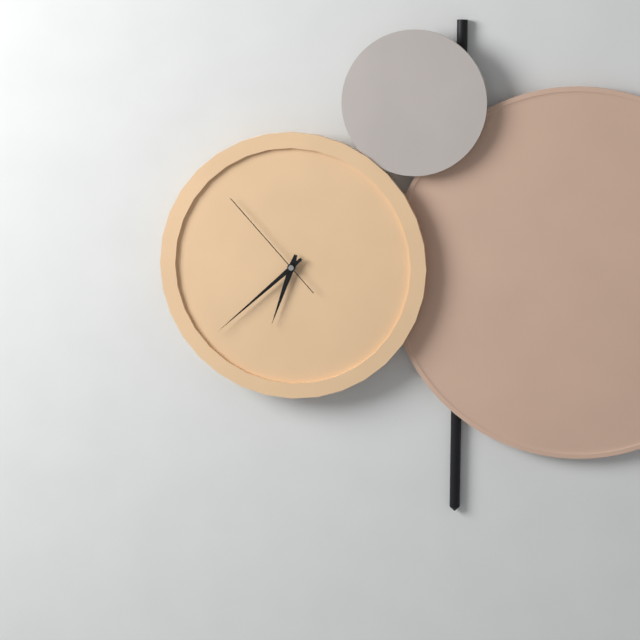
6:38:53
